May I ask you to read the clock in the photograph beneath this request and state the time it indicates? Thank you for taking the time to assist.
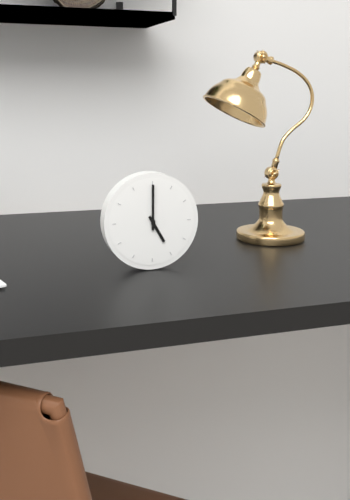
5:00
